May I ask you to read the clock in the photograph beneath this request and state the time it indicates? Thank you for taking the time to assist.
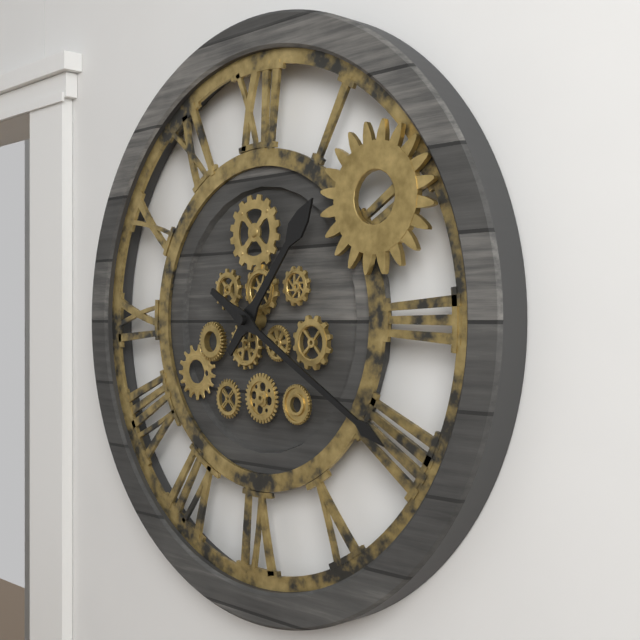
1:20
